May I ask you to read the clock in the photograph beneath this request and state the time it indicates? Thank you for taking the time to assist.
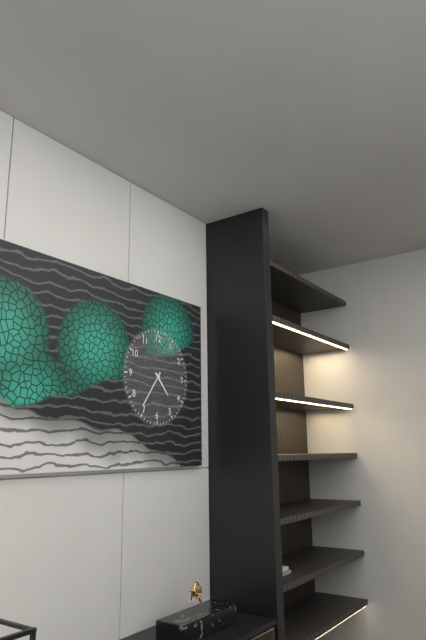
4:36
